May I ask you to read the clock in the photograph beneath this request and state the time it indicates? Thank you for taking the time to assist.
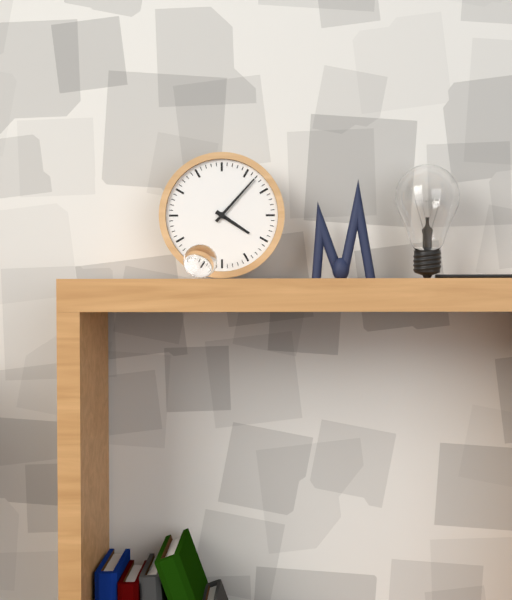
4:07
